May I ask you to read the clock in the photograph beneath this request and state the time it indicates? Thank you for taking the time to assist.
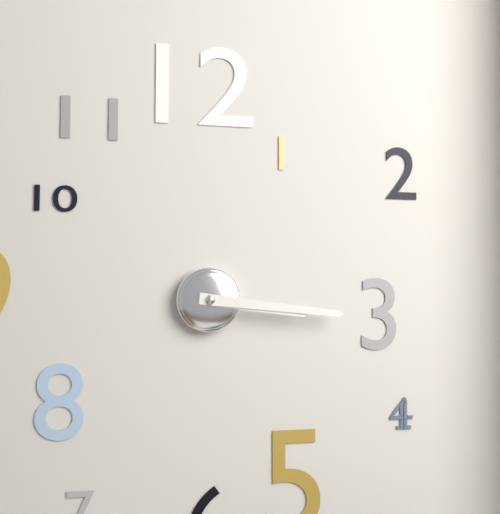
3:16
